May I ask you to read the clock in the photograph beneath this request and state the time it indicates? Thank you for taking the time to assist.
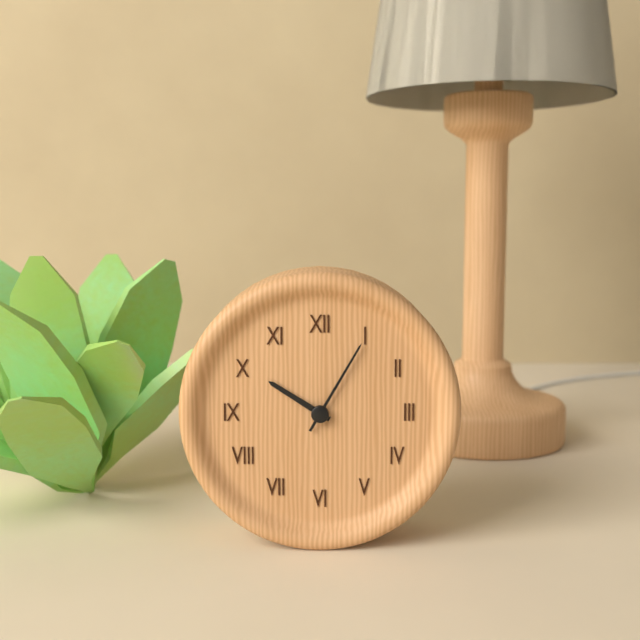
10:05
